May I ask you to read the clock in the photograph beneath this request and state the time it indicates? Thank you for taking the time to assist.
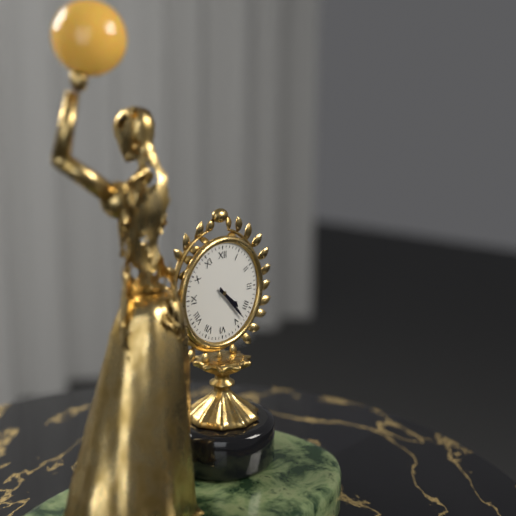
4:23
